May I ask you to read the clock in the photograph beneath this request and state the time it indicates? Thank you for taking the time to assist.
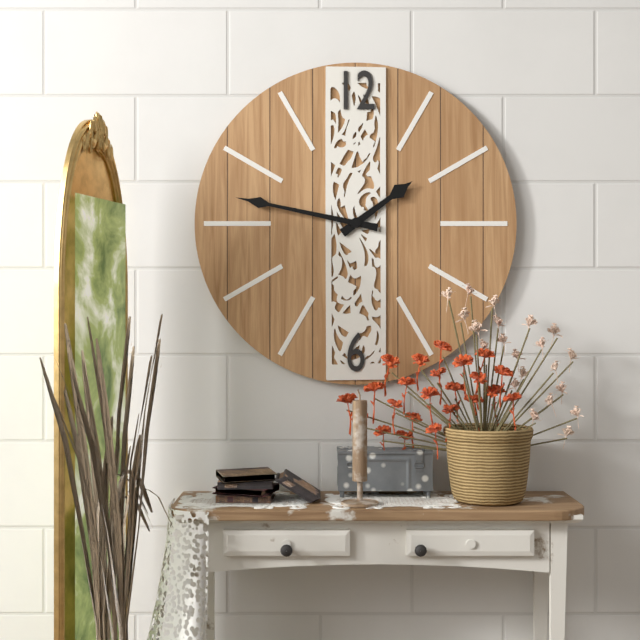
1:47
